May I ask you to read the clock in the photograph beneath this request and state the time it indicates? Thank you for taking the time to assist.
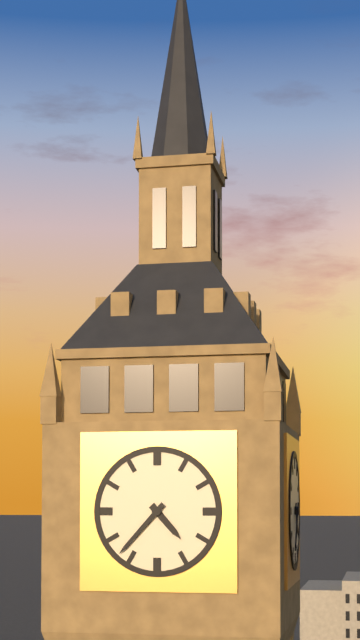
4:37
